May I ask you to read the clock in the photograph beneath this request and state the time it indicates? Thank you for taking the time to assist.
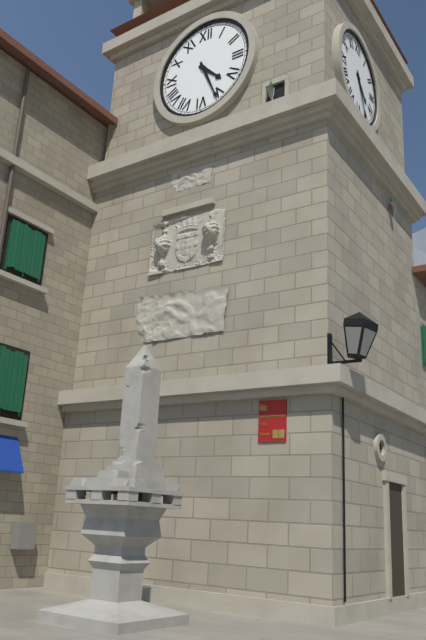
4:26
